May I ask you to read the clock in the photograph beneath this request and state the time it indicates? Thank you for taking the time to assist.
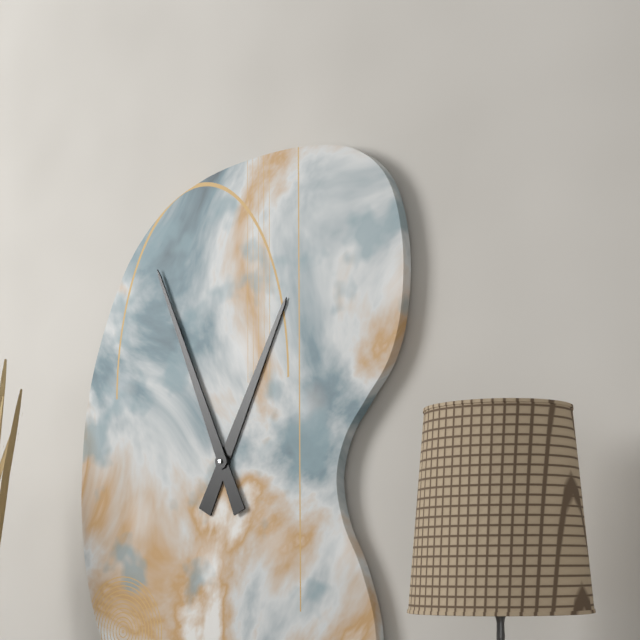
12:56
